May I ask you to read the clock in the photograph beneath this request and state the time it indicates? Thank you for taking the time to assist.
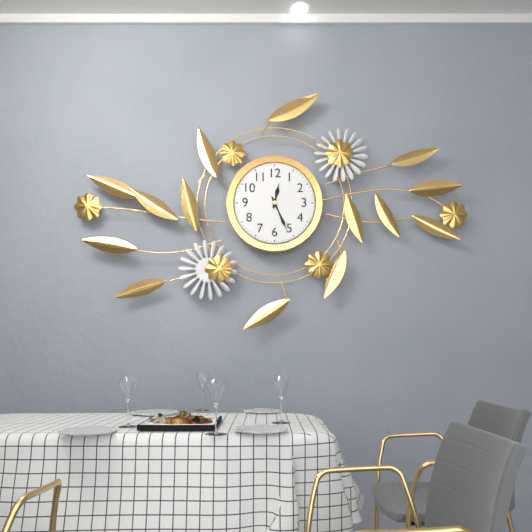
12:26
